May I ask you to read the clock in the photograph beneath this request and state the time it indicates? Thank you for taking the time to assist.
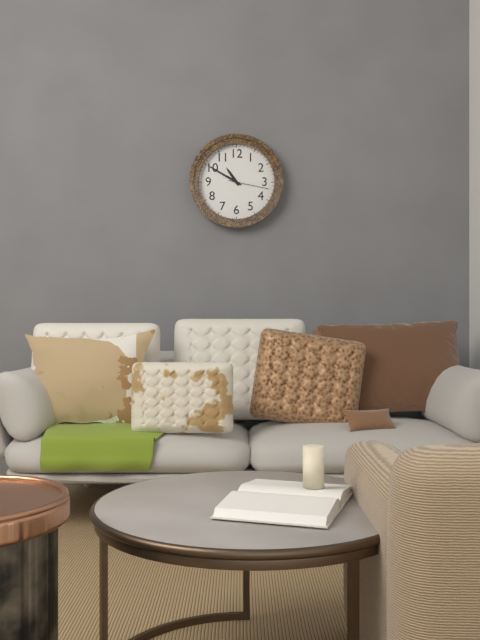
10:50
